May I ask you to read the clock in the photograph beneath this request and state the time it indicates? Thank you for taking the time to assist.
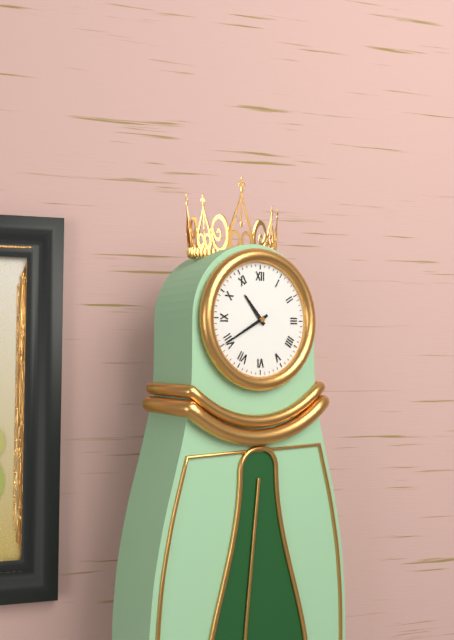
10:40
